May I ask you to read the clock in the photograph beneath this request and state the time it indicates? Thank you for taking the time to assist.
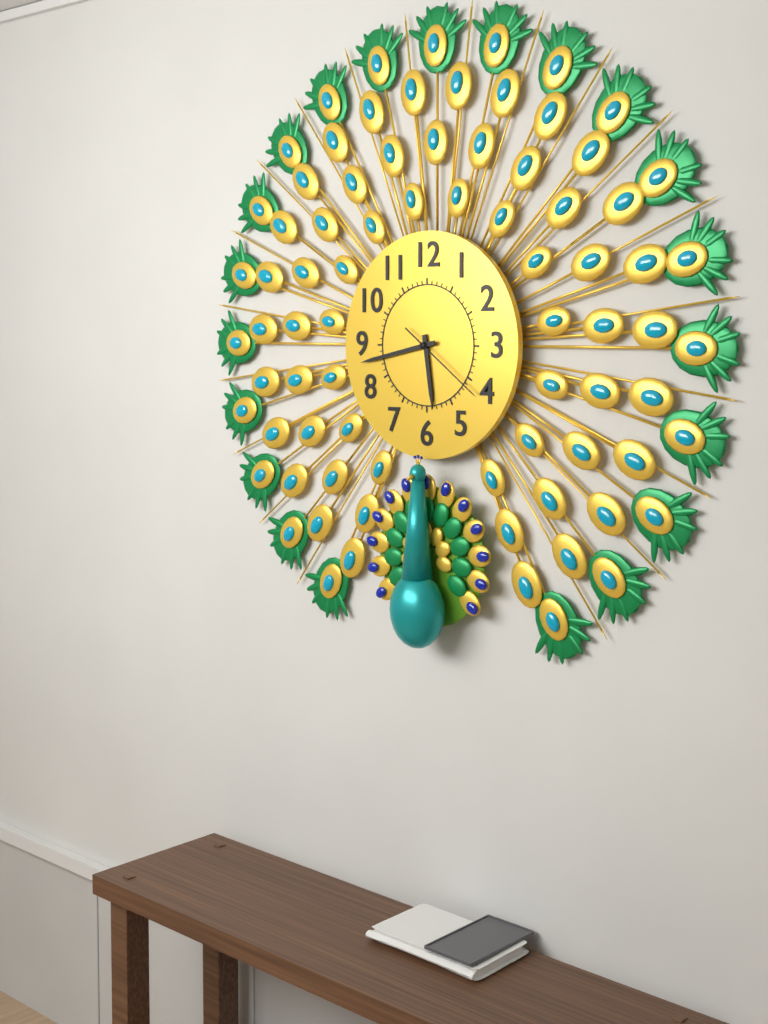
5:43:21
